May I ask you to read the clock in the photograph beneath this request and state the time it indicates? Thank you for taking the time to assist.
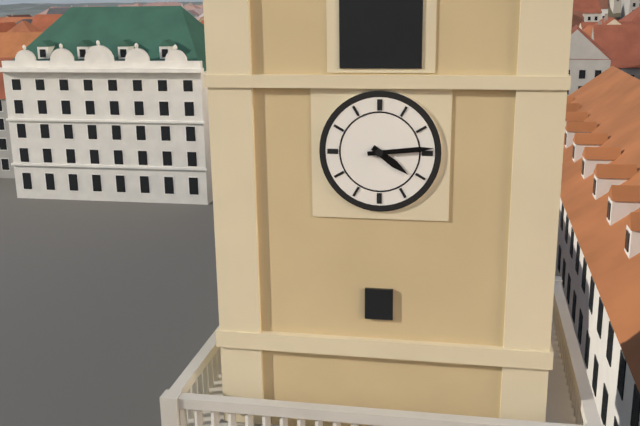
4:14
